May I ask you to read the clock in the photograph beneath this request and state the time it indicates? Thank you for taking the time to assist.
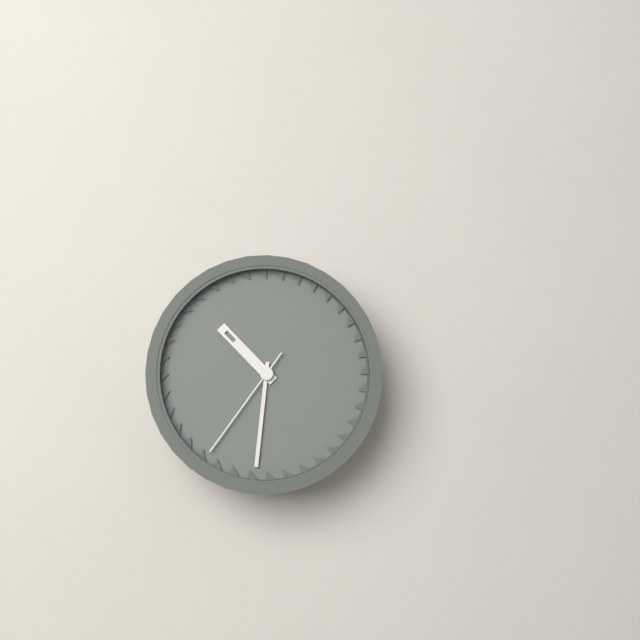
10:31:36
